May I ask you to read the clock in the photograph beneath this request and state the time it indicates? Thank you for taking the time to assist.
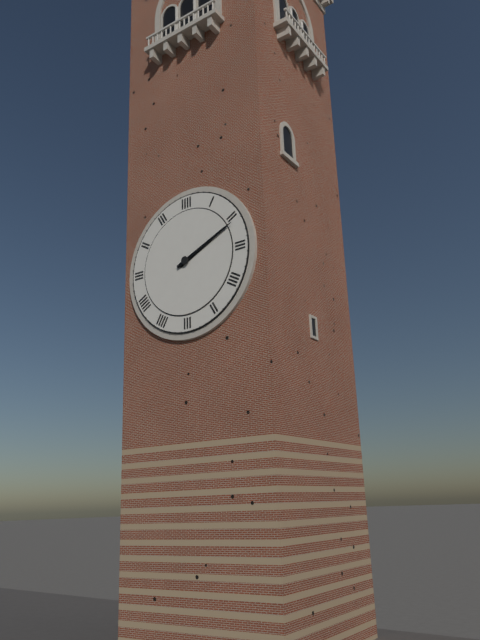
2:11
